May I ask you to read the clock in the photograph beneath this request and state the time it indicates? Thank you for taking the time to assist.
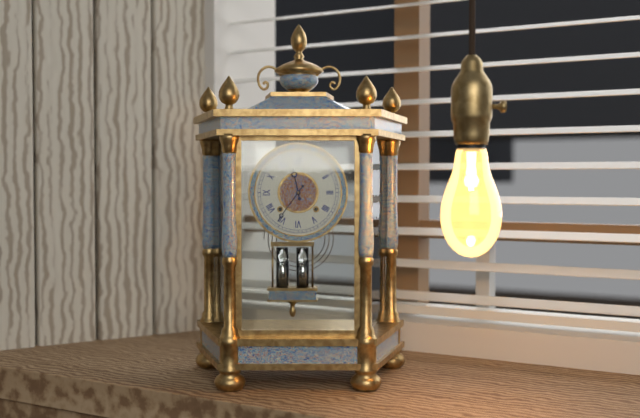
11:36
